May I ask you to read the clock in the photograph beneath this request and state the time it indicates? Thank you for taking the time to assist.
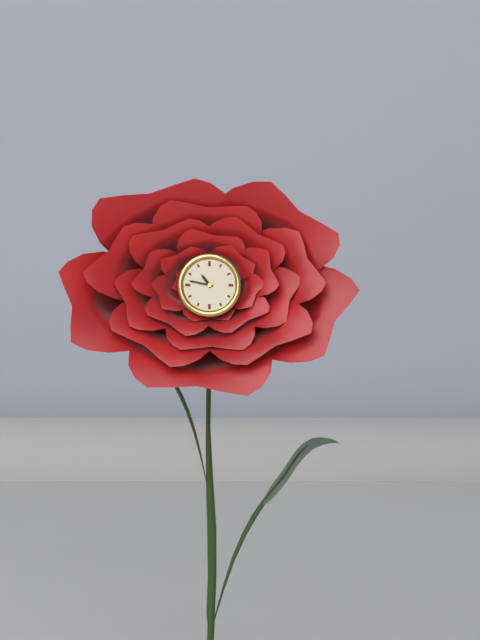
10:47
